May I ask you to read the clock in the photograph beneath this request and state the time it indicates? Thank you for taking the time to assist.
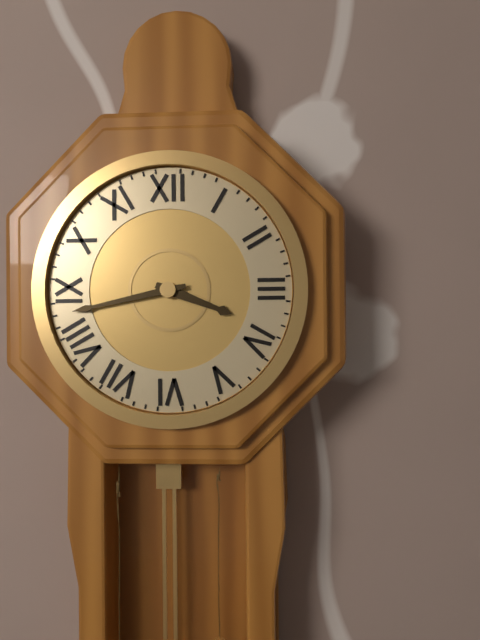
3:43
